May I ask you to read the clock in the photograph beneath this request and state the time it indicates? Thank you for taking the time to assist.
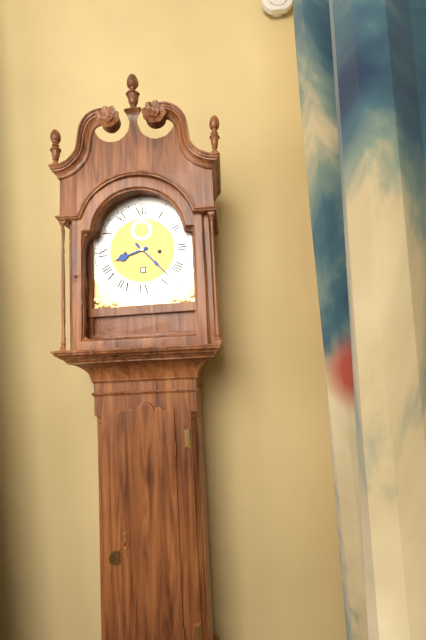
8:23
